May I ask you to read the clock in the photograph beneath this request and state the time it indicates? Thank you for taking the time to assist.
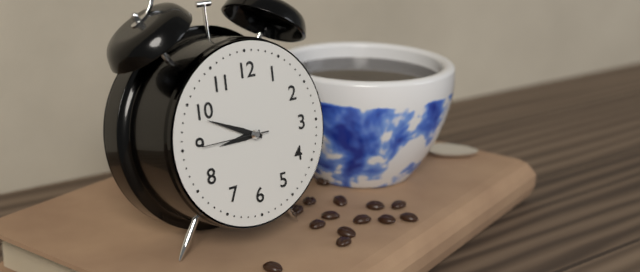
8:49:45
